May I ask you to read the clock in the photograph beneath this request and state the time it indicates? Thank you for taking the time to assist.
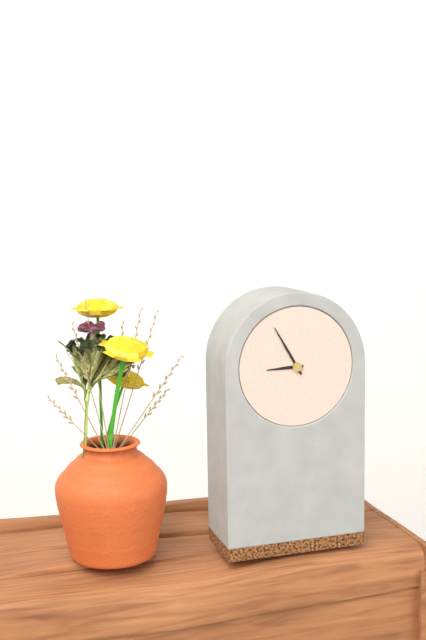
8:55
